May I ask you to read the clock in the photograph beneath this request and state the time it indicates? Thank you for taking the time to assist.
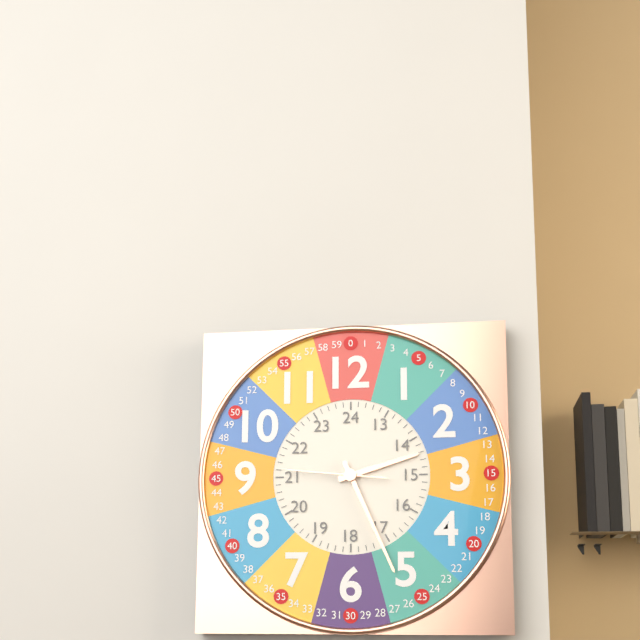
2:26:46
